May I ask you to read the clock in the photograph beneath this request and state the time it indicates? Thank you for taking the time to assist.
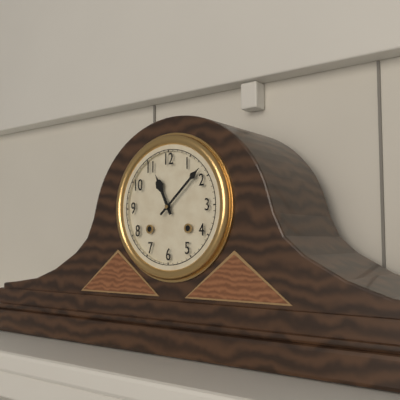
11:08
